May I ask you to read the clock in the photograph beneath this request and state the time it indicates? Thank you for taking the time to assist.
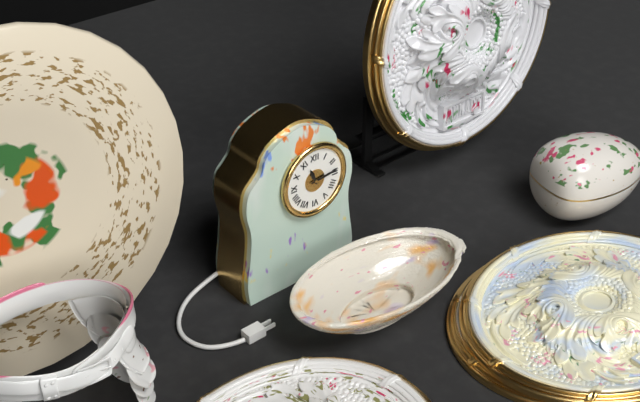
11:14
